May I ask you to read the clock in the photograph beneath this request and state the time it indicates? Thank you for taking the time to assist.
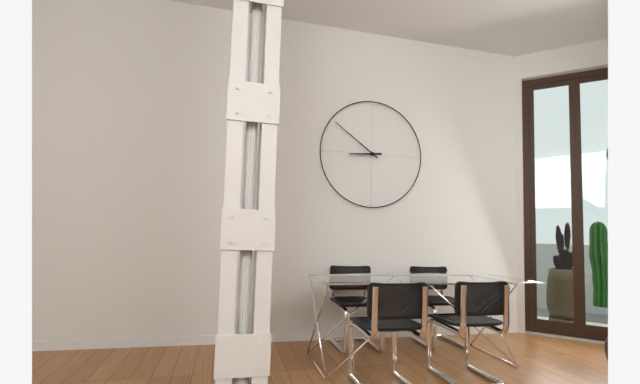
8:51
